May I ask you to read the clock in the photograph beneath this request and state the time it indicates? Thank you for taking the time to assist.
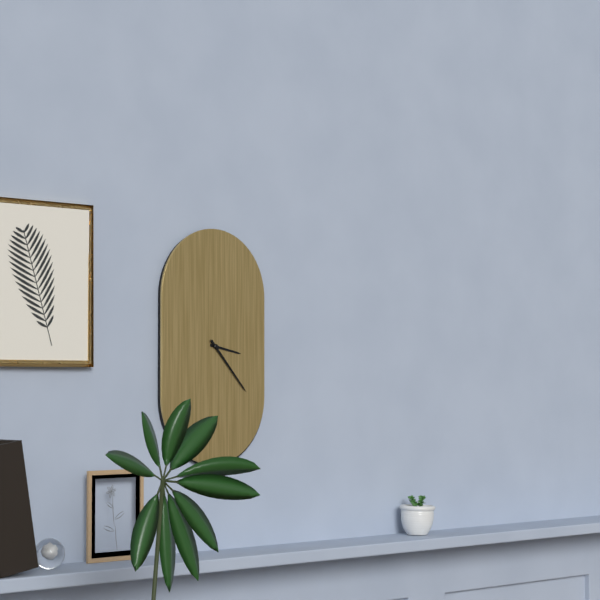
3:23
